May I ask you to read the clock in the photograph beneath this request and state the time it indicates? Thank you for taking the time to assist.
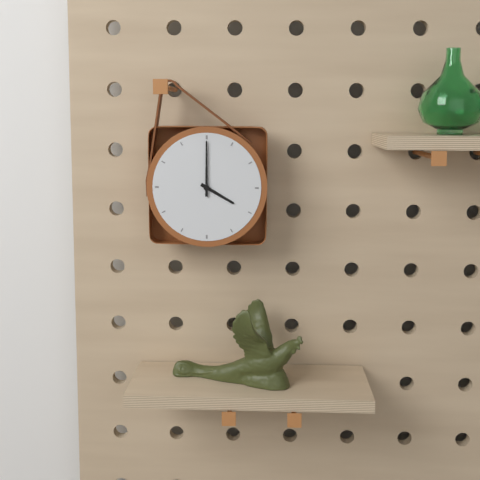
4:00
